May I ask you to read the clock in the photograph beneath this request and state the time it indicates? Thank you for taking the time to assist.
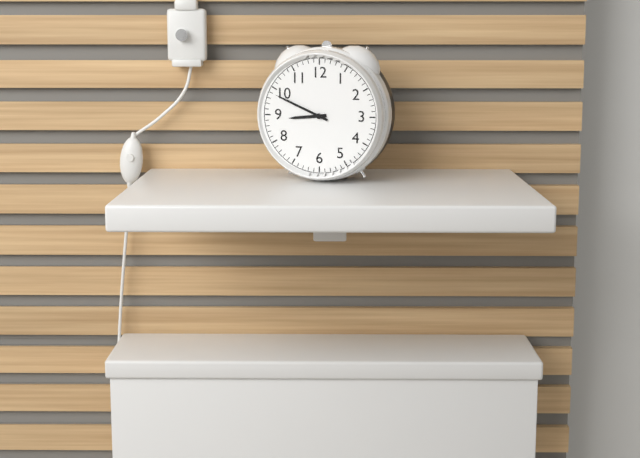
8:49
